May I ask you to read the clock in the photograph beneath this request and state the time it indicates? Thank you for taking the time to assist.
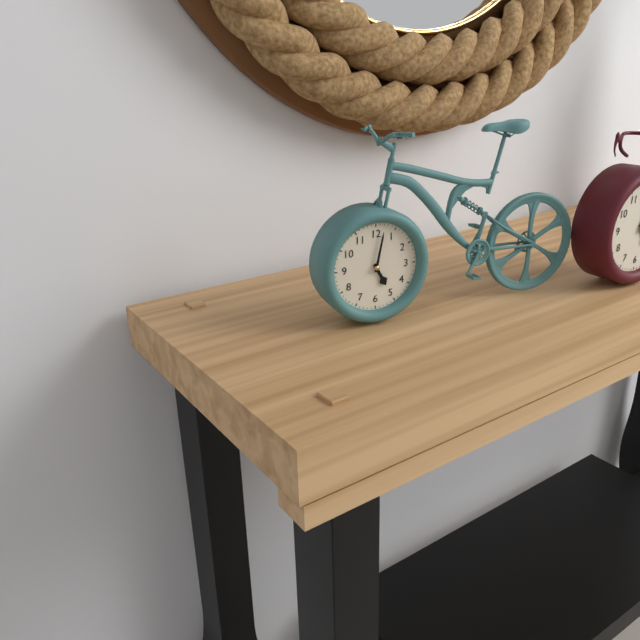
5:02
